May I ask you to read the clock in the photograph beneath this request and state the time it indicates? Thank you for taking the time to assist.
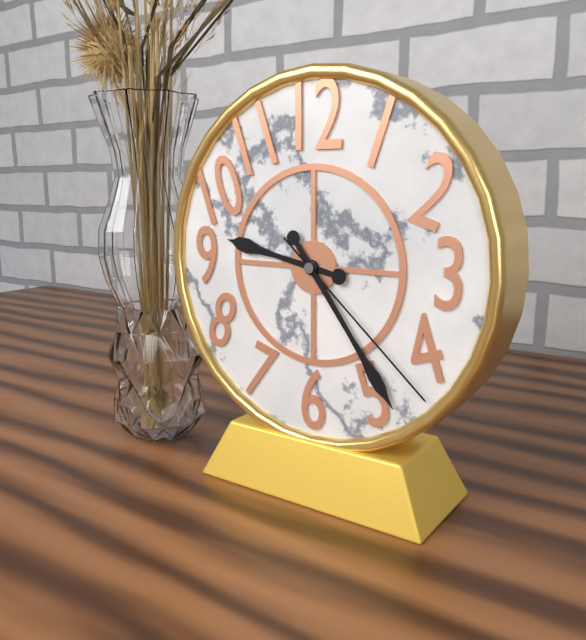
9:24:22
